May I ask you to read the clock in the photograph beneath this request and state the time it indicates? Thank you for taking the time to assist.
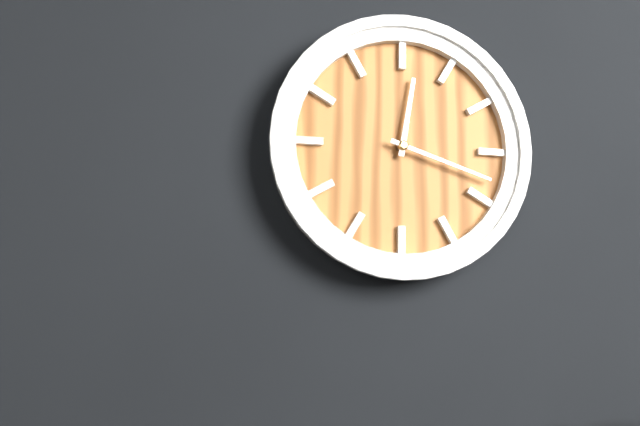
12:18
